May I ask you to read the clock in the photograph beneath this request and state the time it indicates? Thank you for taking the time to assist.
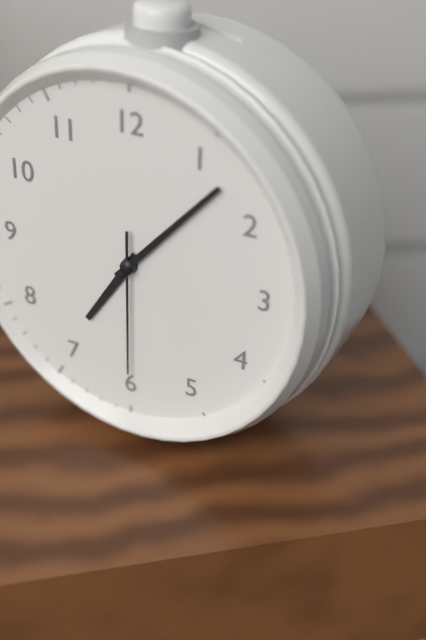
7:07:30
